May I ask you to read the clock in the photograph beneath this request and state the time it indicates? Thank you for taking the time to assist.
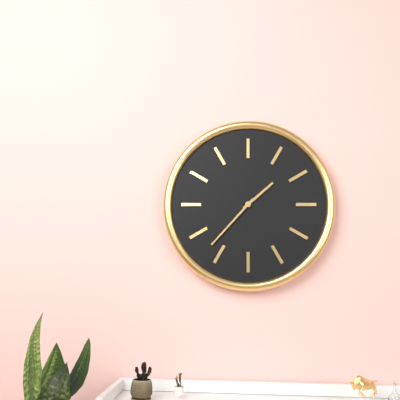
1:37
